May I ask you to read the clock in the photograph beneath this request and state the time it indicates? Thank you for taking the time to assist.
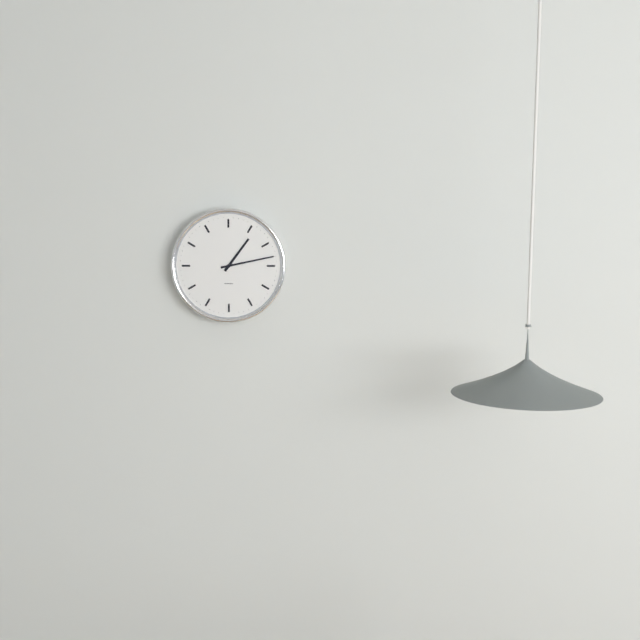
1:13
